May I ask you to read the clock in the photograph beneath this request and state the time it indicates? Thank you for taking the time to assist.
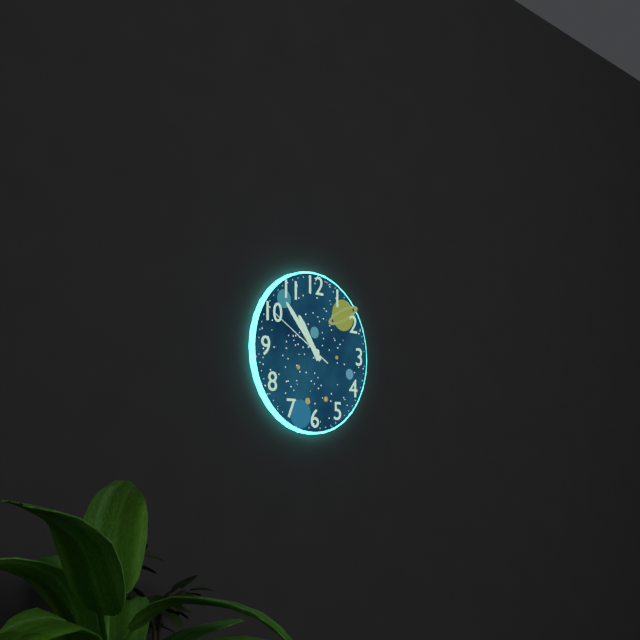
10:53:50
